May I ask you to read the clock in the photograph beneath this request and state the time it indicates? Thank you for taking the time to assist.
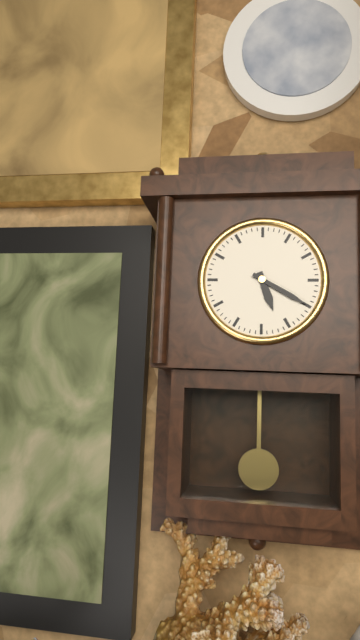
5:20
